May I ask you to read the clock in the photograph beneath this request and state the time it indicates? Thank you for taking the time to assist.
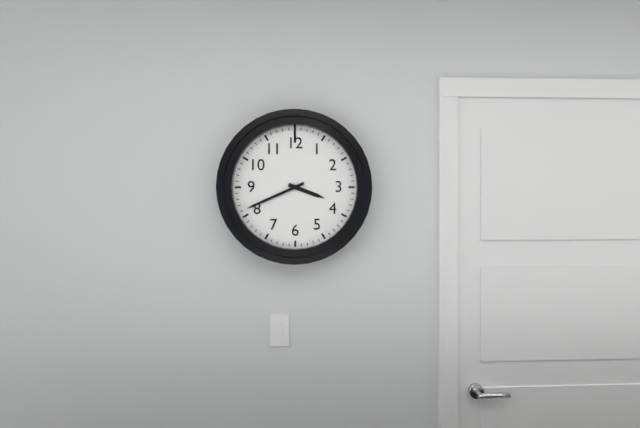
3:41
